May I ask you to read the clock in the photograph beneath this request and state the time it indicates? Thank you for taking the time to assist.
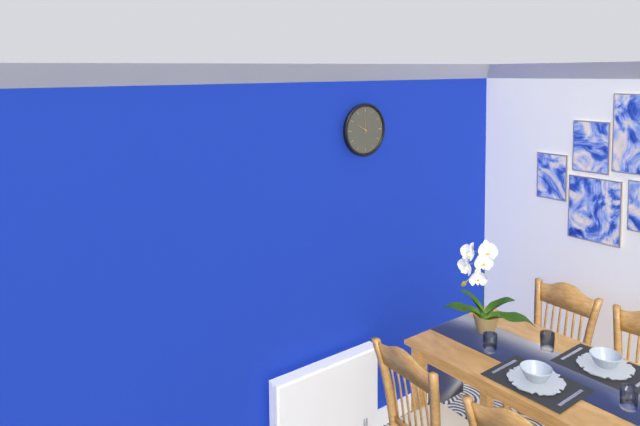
9:59
